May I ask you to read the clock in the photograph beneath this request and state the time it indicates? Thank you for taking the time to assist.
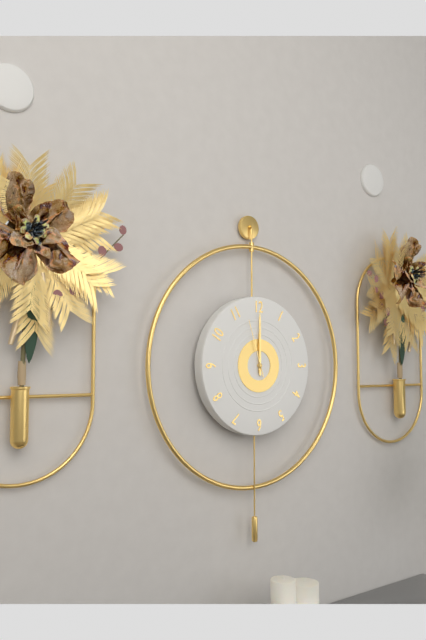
12:00:57
